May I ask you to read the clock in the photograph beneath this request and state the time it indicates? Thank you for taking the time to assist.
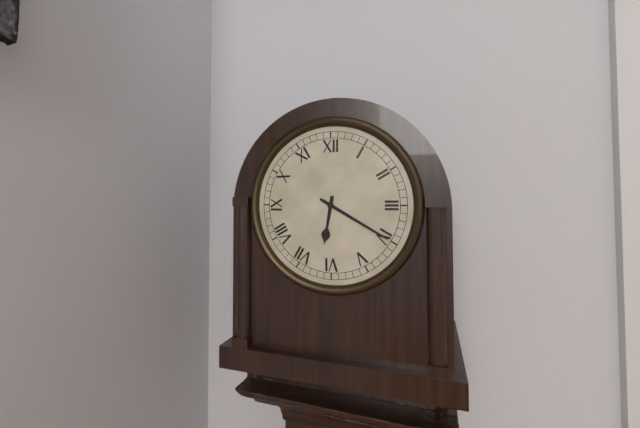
6:20
